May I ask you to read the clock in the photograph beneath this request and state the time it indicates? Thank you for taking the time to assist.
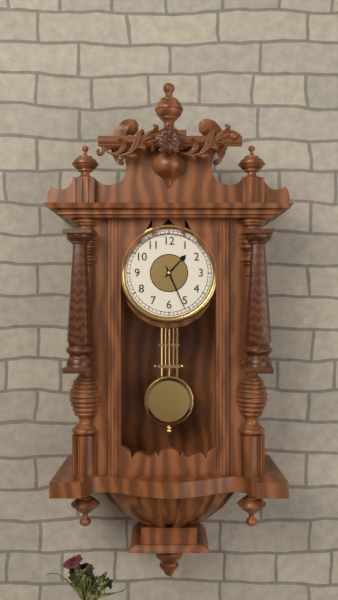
1:26
